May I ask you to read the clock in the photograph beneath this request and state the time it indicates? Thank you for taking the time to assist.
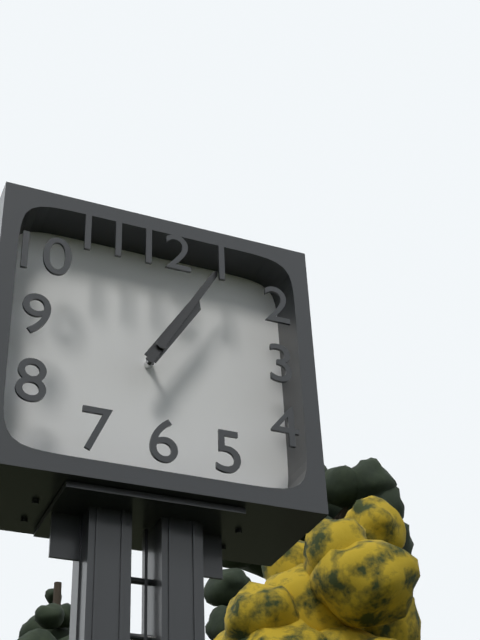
1:05
